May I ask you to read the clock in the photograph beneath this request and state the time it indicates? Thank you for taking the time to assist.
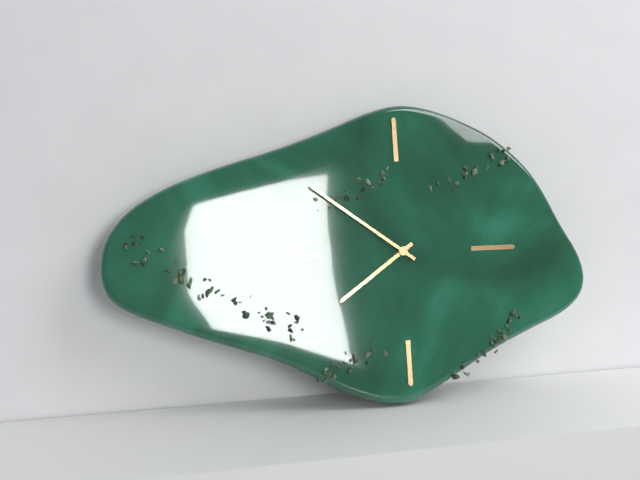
7:51
